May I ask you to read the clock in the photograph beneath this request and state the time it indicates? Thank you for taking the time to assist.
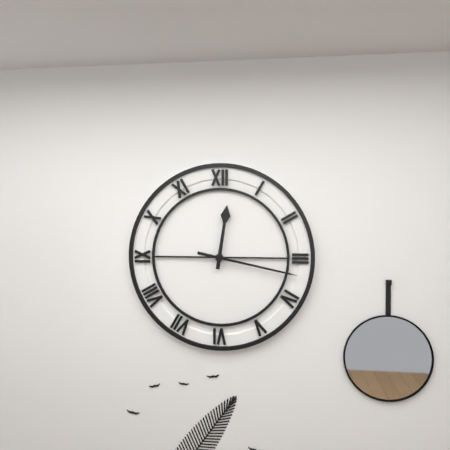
12:17
